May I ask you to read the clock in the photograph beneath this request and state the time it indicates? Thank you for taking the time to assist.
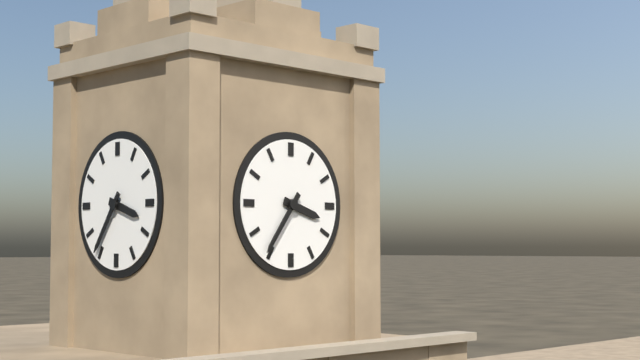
3:36
